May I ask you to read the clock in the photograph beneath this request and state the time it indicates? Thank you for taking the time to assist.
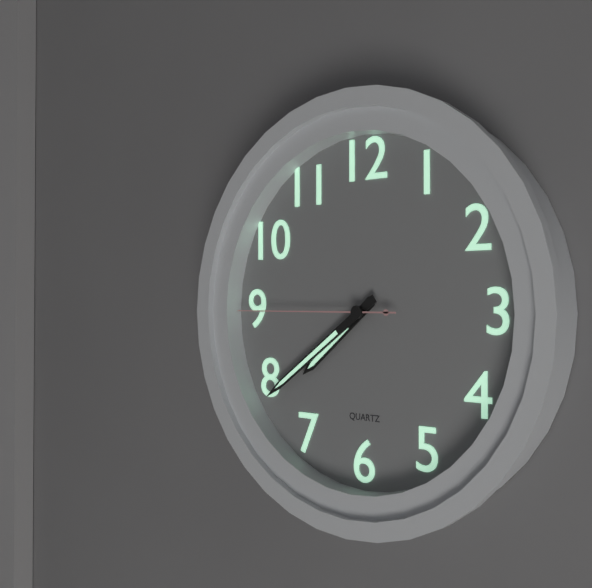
7:39:45
